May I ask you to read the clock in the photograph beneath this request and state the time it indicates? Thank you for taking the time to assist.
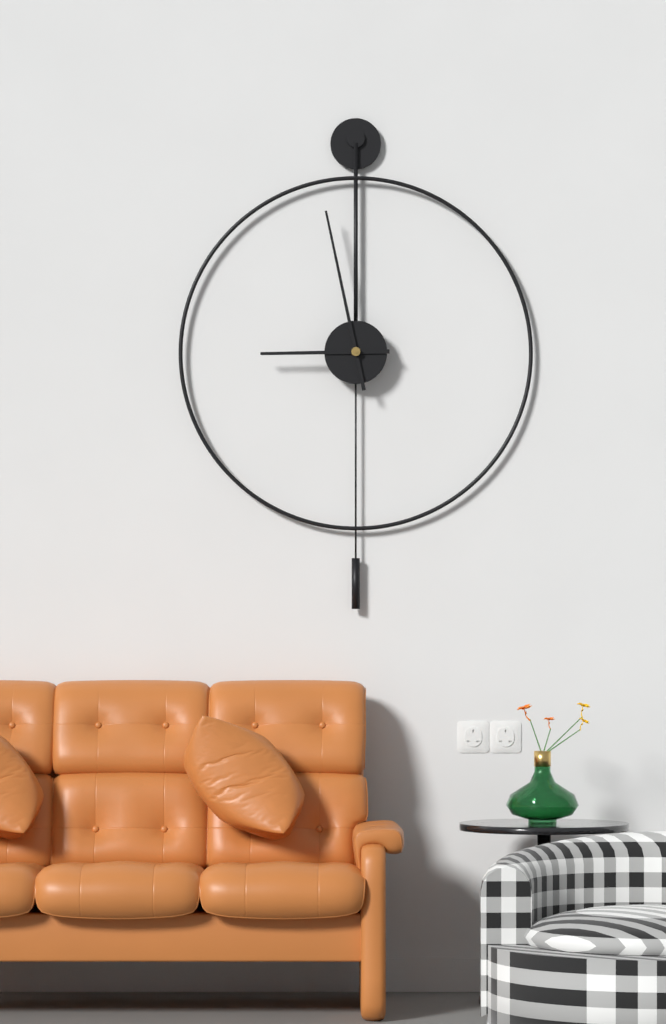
8:58
